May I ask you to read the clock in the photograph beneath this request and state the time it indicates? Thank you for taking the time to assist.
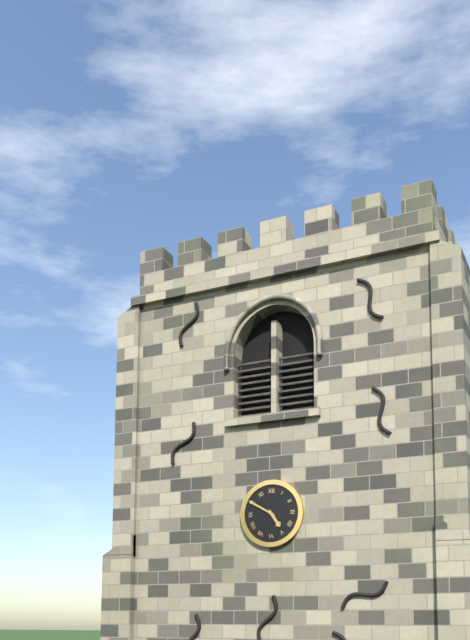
4:50
